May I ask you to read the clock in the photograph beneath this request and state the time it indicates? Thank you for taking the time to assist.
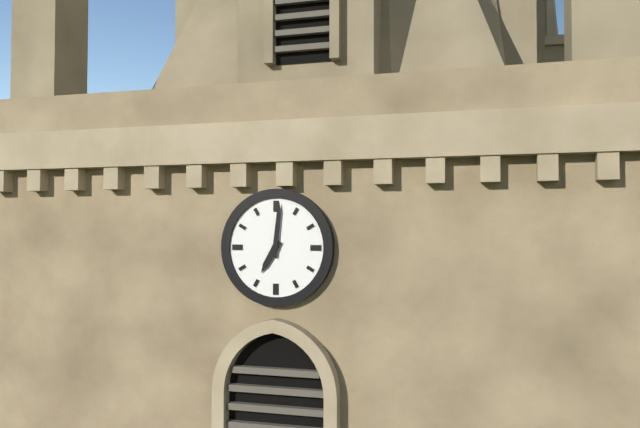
7:01
